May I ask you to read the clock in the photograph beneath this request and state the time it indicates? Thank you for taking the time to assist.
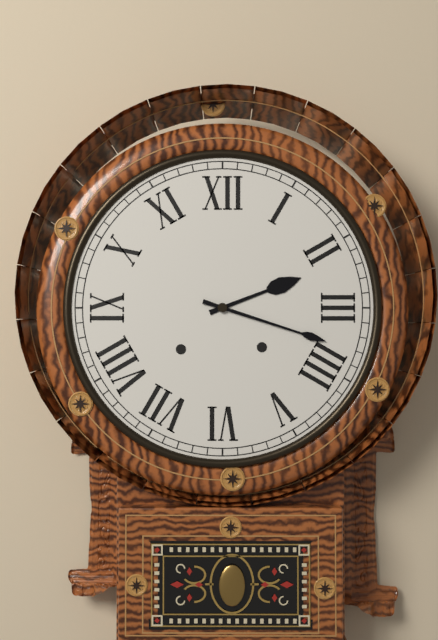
2:18
